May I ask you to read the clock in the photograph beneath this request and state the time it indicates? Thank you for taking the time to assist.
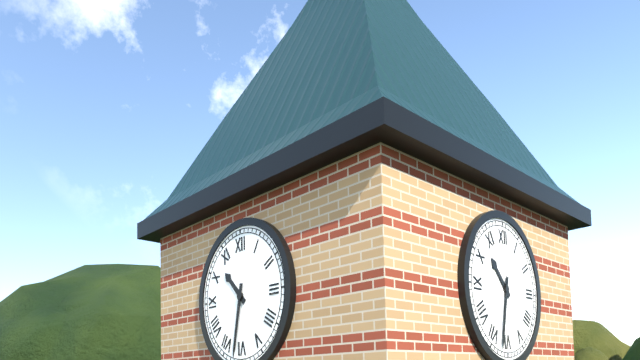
10:32
